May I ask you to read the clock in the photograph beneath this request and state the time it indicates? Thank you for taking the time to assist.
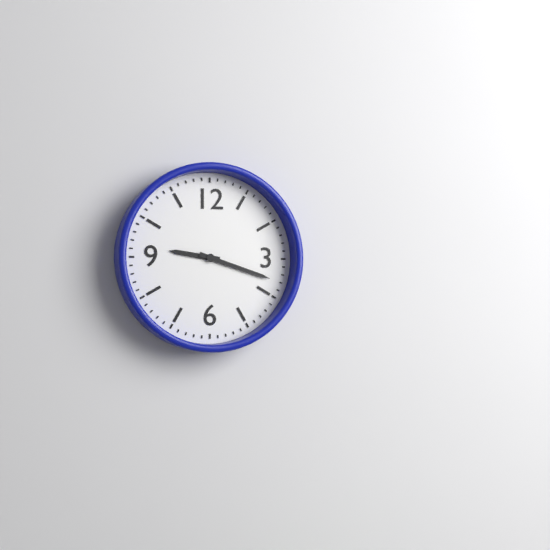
9:18
